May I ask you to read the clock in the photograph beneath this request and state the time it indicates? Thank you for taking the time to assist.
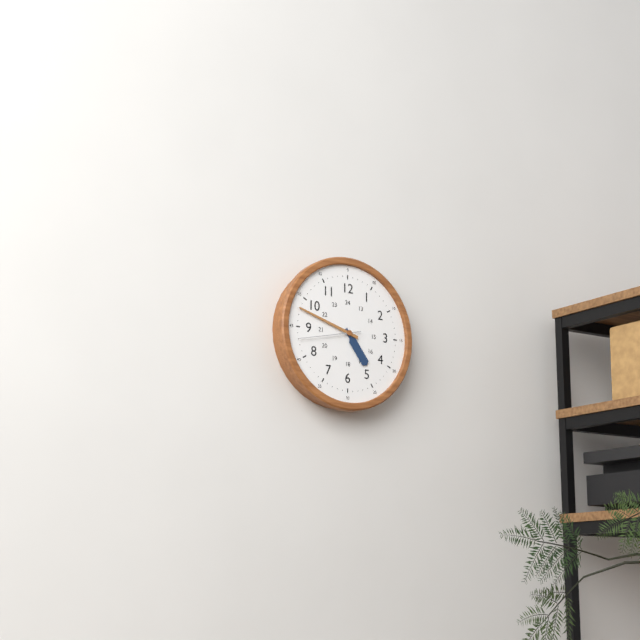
4:48:43
